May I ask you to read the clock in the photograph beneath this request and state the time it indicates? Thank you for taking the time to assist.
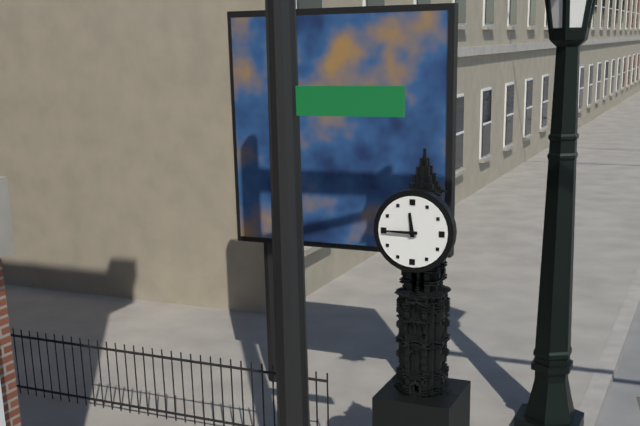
11:45
